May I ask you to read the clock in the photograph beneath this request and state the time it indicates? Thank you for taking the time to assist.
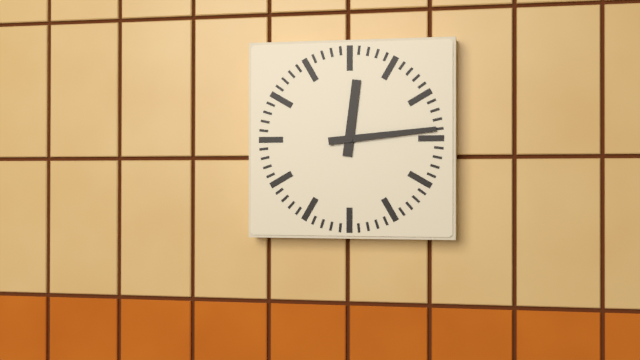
12:14
